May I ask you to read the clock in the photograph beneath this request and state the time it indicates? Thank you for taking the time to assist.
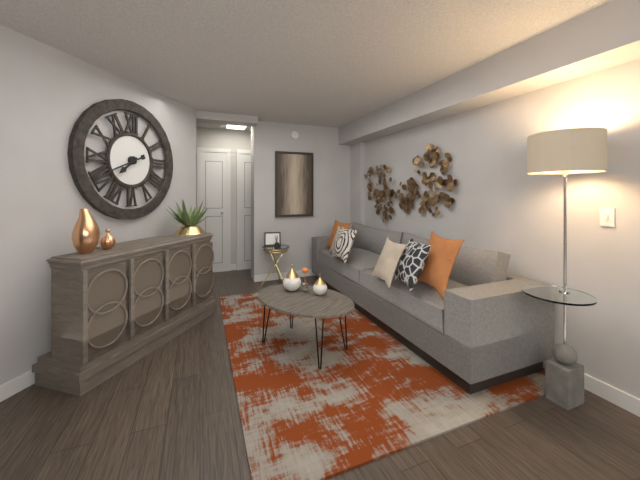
7:41
